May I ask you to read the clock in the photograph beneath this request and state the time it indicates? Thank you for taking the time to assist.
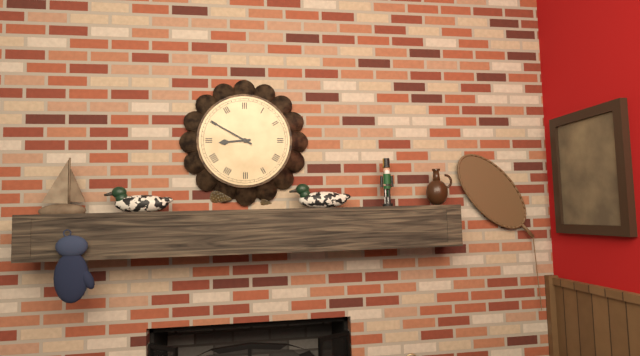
8:50
